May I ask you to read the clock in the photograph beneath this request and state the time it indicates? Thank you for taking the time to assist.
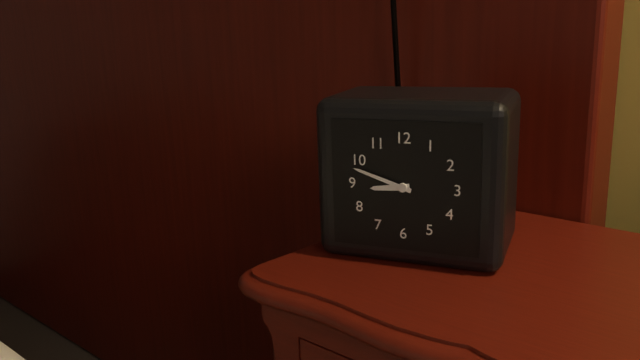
8:48
